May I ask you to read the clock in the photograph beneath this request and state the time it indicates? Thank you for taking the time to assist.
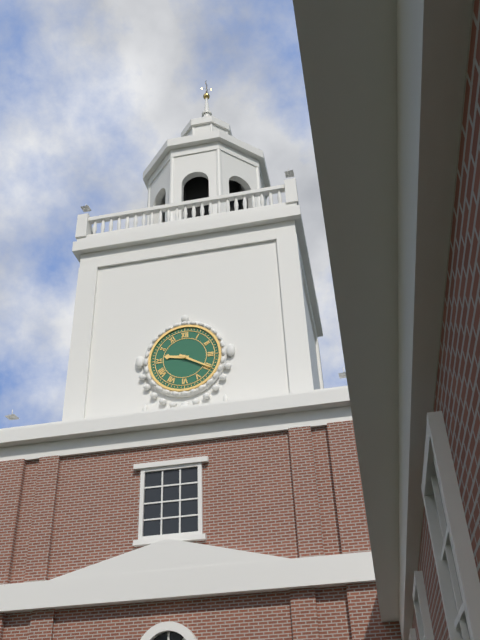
9:20
